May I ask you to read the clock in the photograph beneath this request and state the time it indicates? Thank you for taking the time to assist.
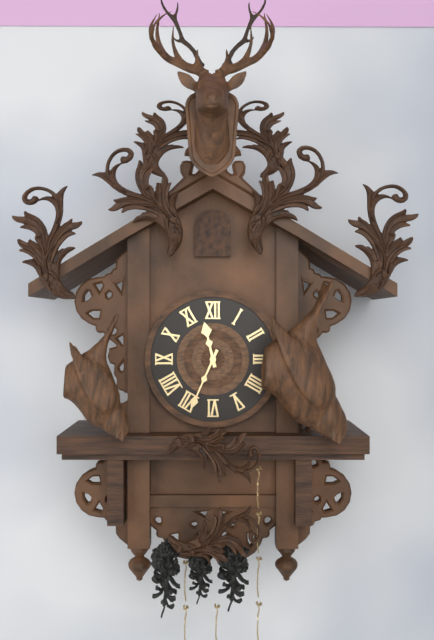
11:34
